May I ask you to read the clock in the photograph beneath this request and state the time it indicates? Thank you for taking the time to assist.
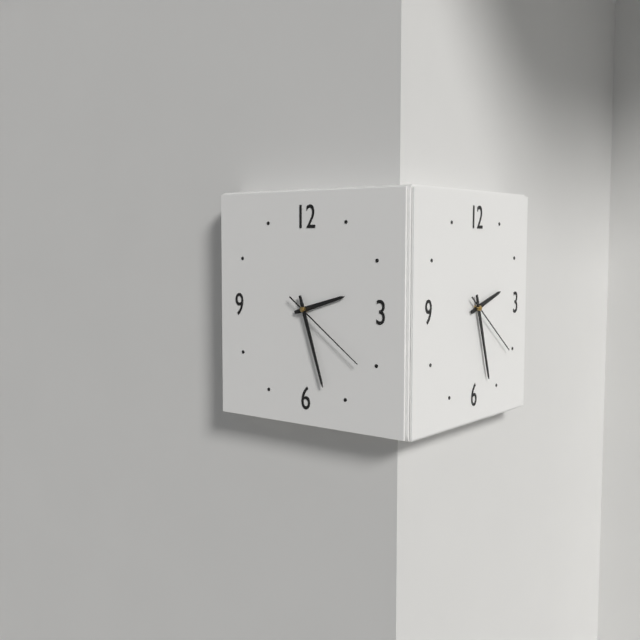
2:27:21
